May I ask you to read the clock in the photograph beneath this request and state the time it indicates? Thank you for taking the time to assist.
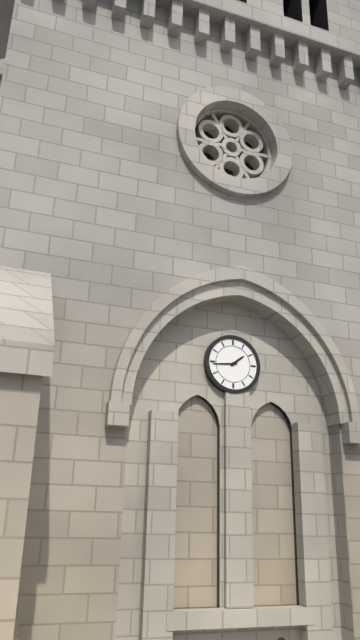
1:44
